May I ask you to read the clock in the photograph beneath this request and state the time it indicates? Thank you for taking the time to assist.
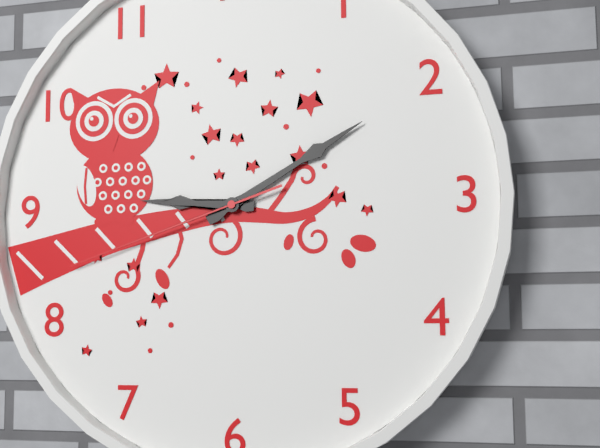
9:10:42
